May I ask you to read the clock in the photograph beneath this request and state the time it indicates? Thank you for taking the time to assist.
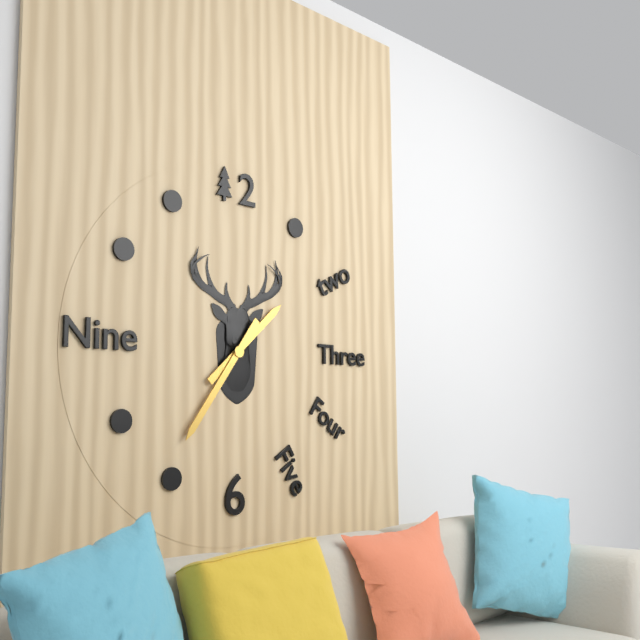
1:36
